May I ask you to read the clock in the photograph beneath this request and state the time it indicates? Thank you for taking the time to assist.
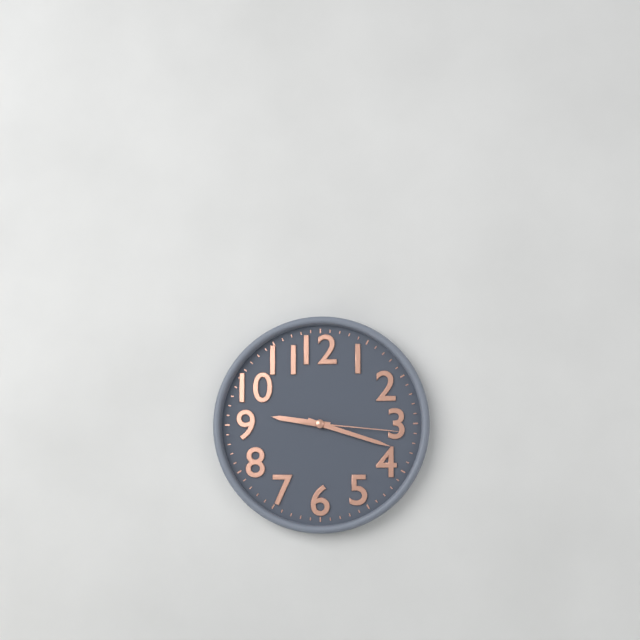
9:18:16
